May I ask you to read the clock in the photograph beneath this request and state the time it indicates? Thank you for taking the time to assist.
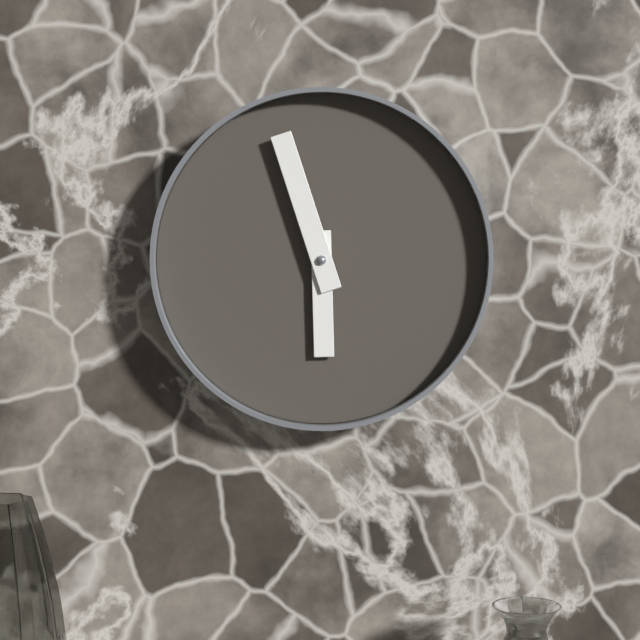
5:57
